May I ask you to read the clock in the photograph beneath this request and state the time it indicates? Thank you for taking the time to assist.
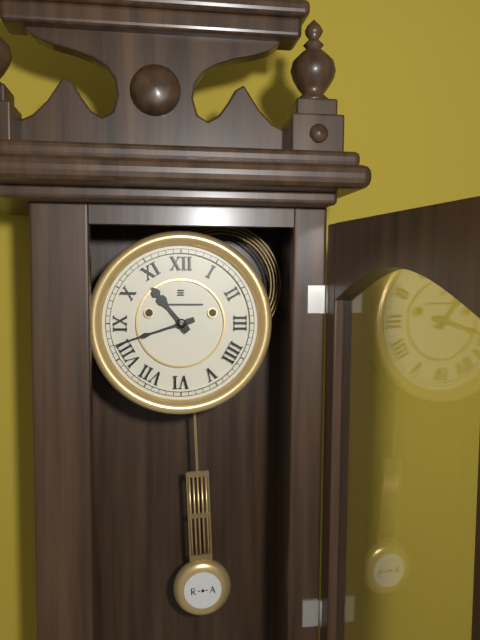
10:42
